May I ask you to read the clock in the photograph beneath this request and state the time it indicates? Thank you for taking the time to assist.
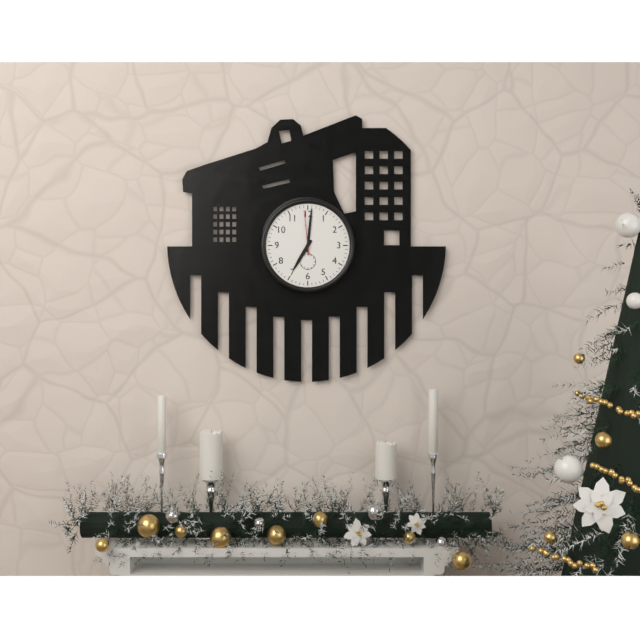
7:01
